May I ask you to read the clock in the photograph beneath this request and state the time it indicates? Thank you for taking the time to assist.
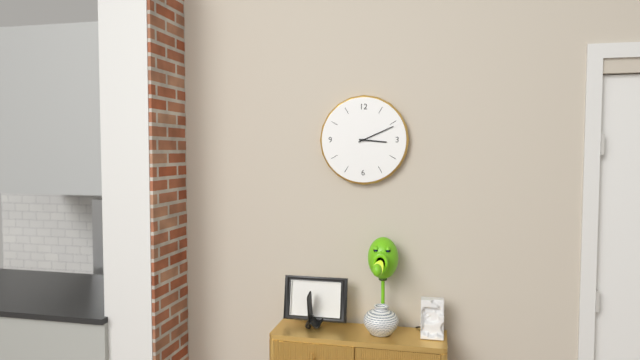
3:11
